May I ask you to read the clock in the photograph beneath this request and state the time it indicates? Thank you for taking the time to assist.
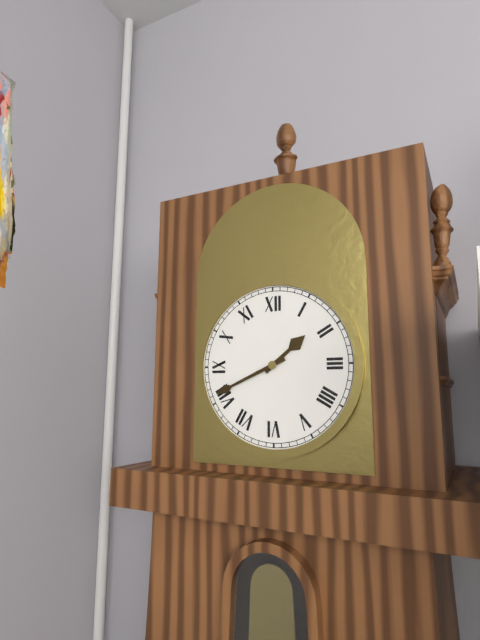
1:41
